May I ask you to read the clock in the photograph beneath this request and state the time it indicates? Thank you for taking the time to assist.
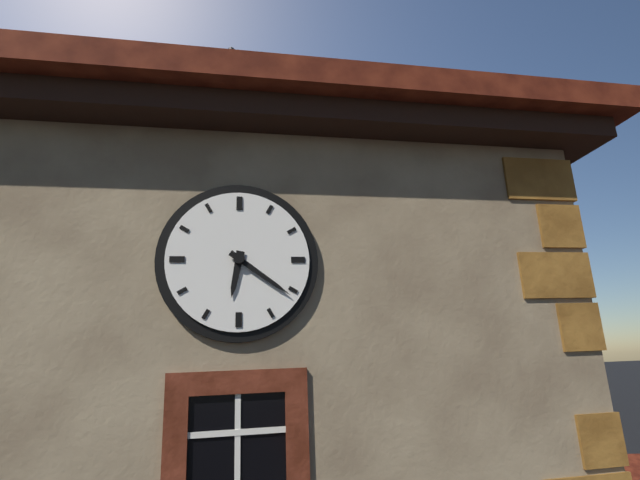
6:21
